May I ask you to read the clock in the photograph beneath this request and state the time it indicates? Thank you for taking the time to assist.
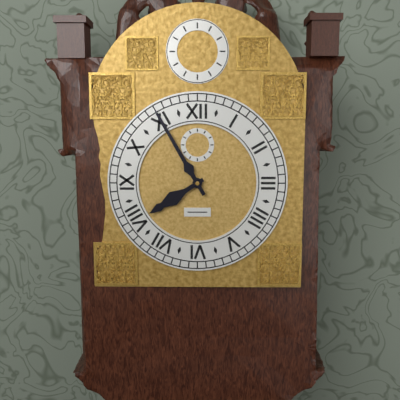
7:55
